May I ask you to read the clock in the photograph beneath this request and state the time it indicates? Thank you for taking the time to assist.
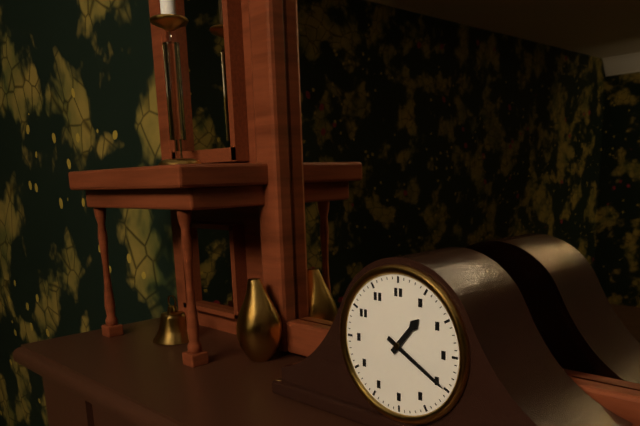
1:20
